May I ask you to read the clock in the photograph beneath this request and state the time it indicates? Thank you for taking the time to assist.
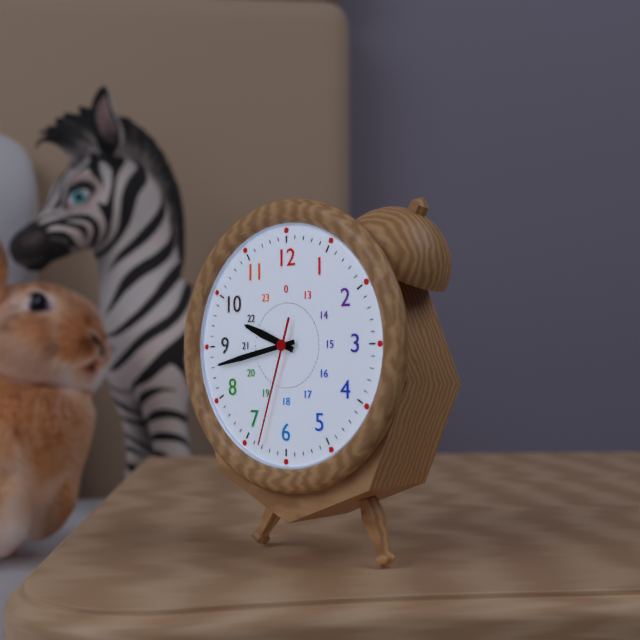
9:43:33
